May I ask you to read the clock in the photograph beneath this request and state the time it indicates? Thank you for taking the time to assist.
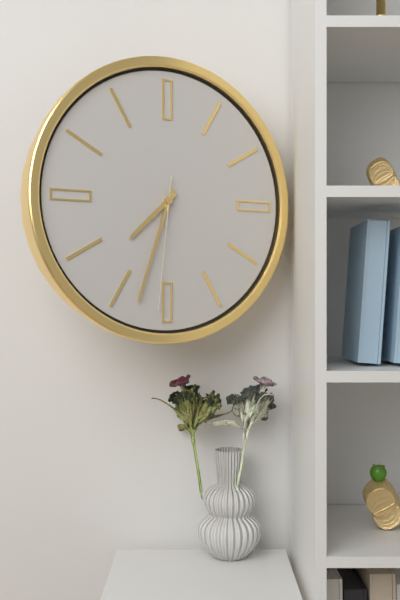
7:33:31
